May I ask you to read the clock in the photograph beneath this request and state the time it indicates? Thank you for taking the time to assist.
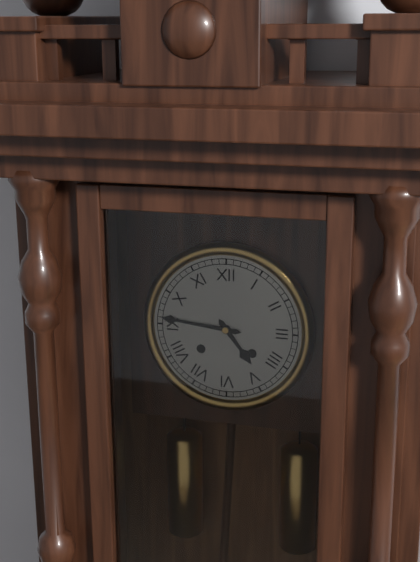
4:46
